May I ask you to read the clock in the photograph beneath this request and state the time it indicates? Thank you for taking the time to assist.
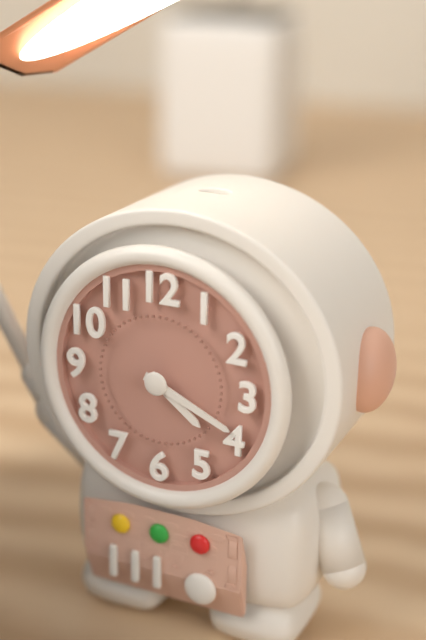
4:19
